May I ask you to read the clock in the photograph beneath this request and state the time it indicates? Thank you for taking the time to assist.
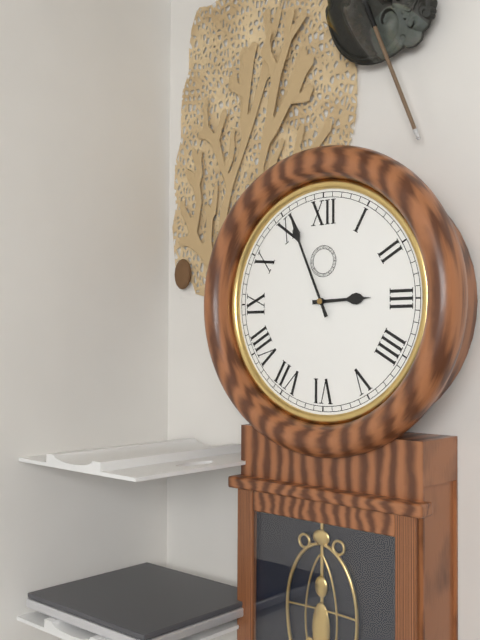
2:56
